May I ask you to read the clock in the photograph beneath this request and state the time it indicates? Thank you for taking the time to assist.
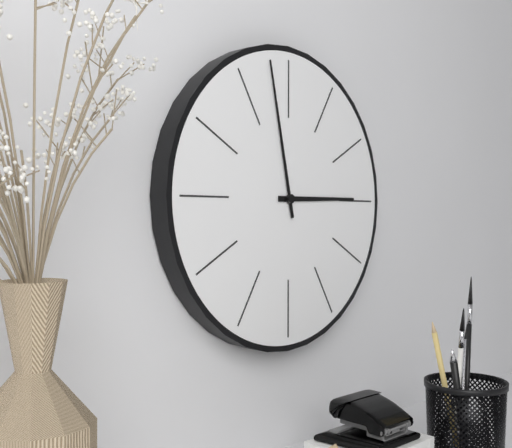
2:58
